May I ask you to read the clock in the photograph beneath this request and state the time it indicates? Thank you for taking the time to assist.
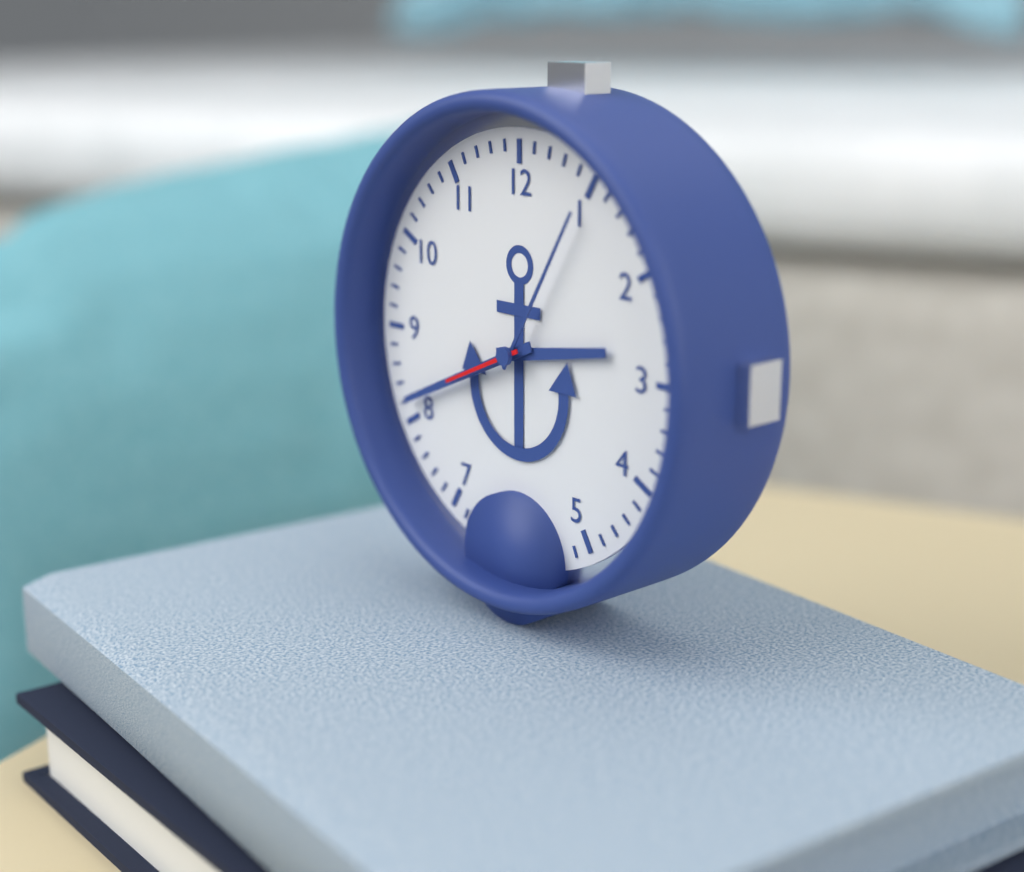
2:41:41
